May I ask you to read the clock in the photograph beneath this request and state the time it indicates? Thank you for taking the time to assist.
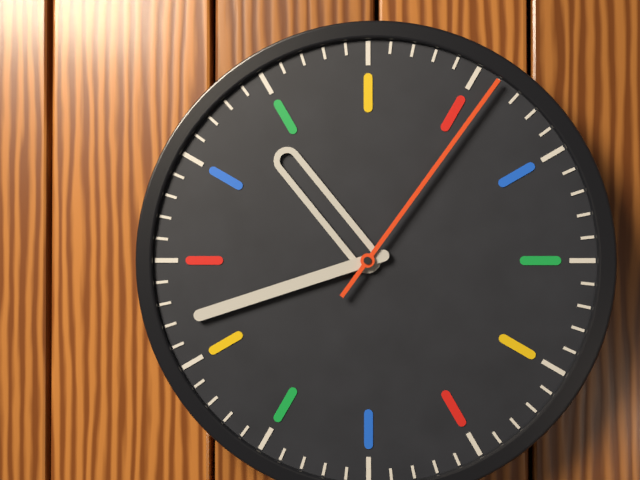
10:42:06
